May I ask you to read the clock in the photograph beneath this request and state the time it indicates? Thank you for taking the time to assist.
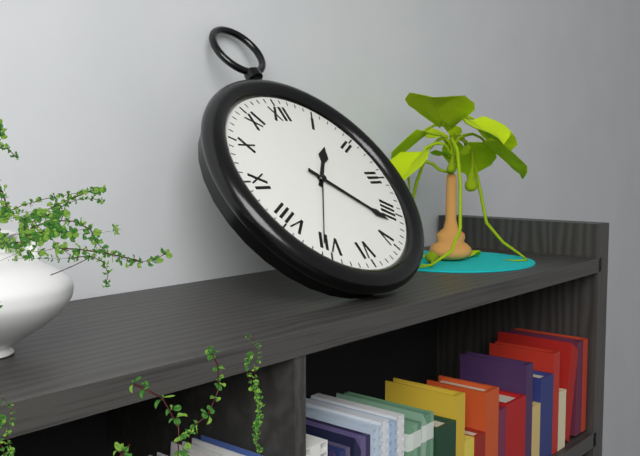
1:22:36
